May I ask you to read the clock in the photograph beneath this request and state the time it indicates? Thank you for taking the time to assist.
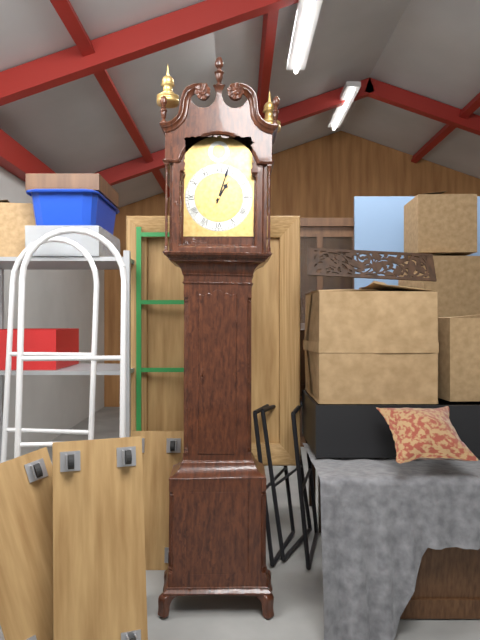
1:03
